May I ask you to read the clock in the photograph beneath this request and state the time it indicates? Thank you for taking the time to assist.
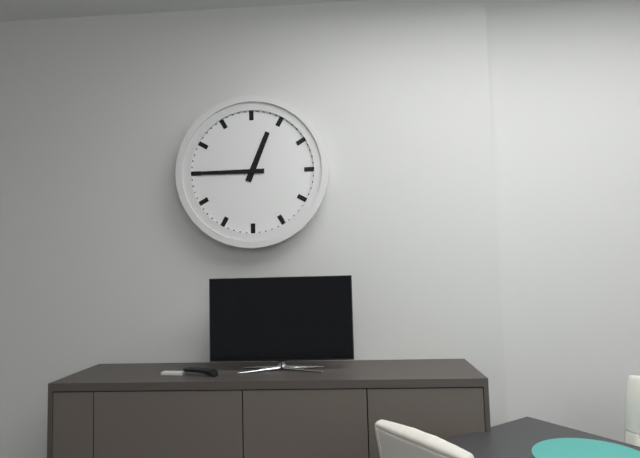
12:45
